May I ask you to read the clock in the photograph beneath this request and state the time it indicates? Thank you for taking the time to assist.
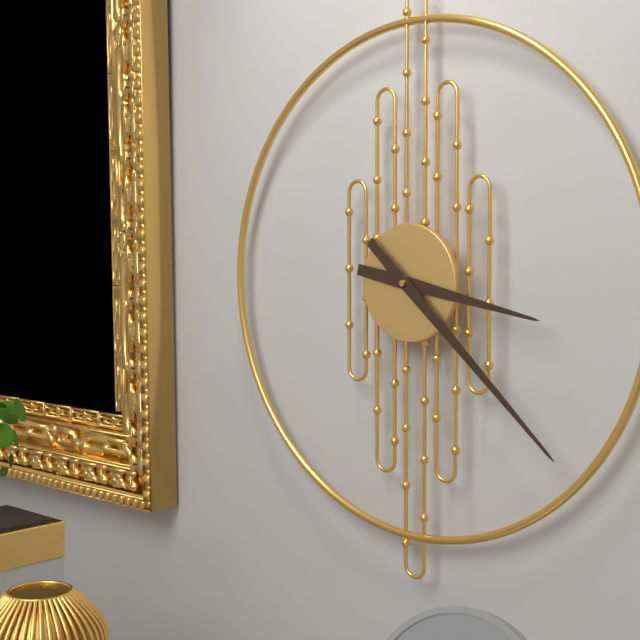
3:22
